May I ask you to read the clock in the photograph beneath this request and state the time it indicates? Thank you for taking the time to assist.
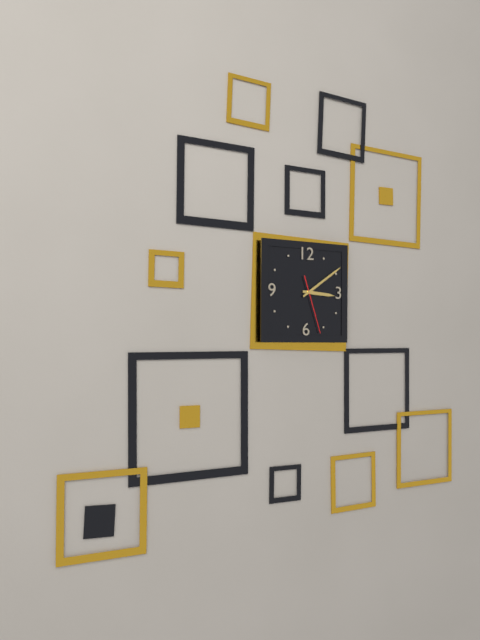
3:09:27
